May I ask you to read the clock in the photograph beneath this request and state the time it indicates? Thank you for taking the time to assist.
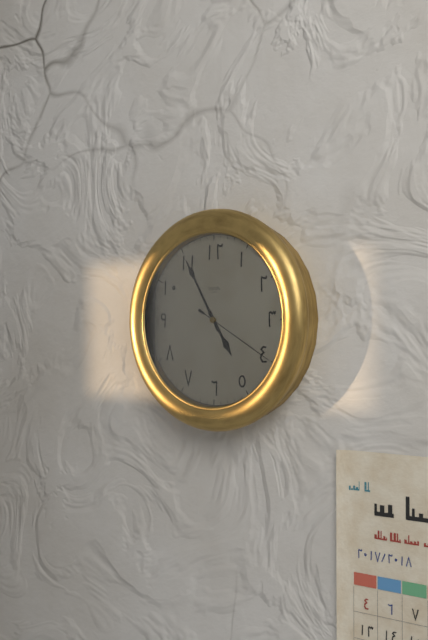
4:55:20
